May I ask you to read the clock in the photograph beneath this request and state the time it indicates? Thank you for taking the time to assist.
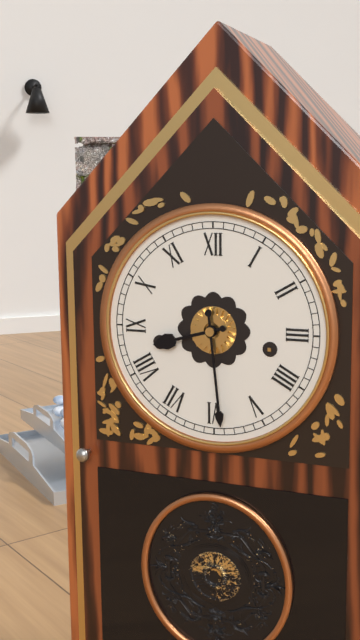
8:29
